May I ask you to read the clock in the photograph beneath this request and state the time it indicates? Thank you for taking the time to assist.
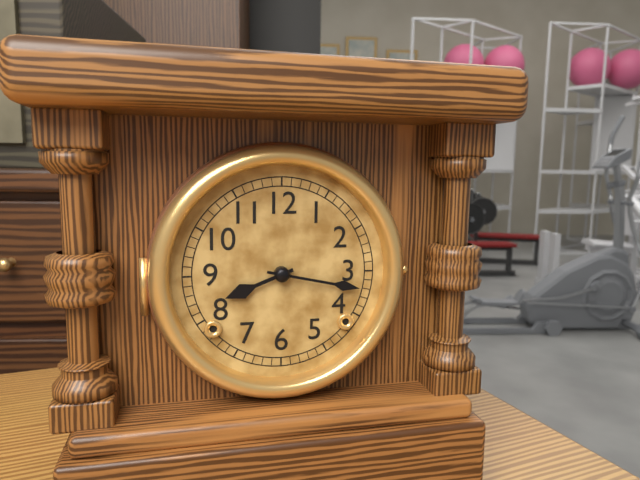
8:17
